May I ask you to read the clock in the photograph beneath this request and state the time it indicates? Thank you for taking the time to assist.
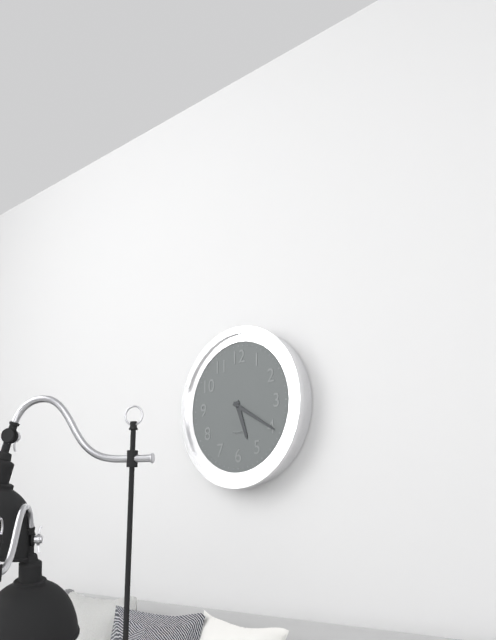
5:20
